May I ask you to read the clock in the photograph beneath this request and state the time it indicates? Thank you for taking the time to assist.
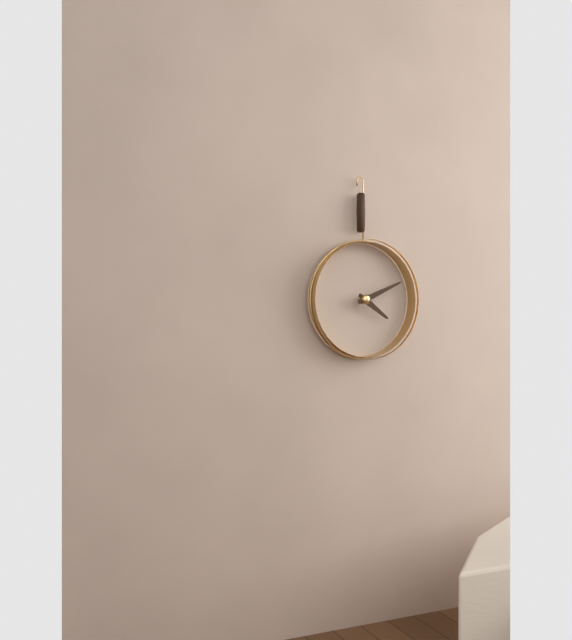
4:11
